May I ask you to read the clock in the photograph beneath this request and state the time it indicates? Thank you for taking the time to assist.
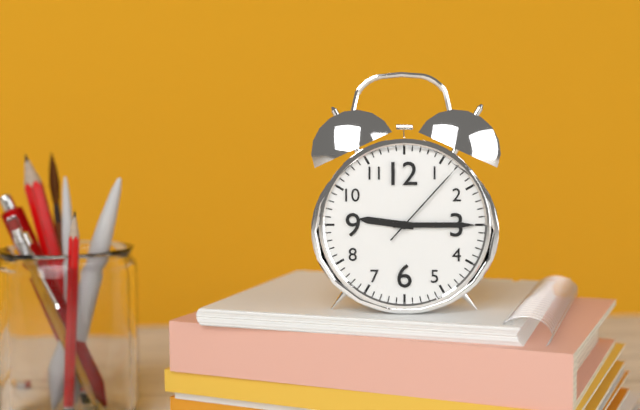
9:15:07
